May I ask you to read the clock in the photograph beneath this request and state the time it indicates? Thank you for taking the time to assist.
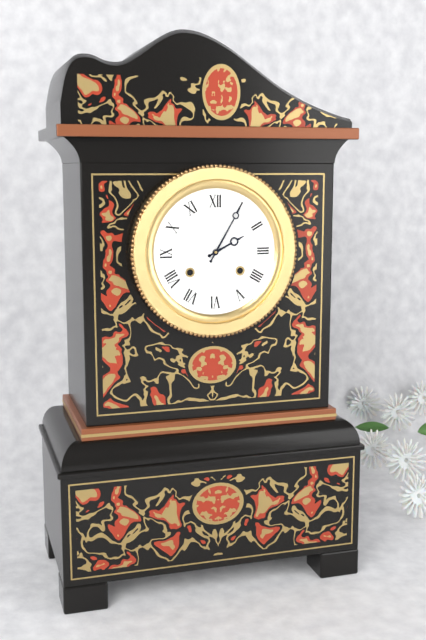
2:05
